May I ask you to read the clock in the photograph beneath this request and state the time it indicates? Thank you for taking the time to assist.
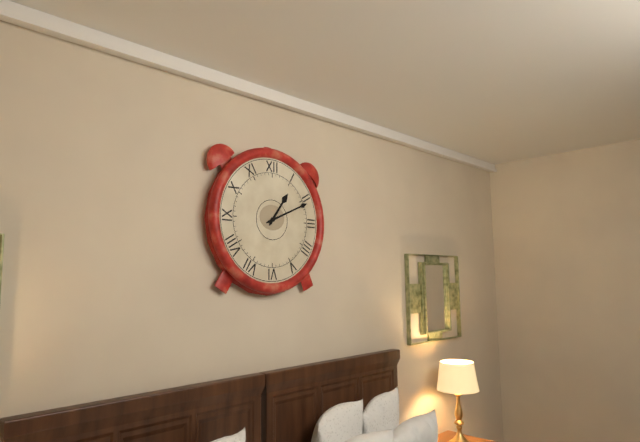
1:11
